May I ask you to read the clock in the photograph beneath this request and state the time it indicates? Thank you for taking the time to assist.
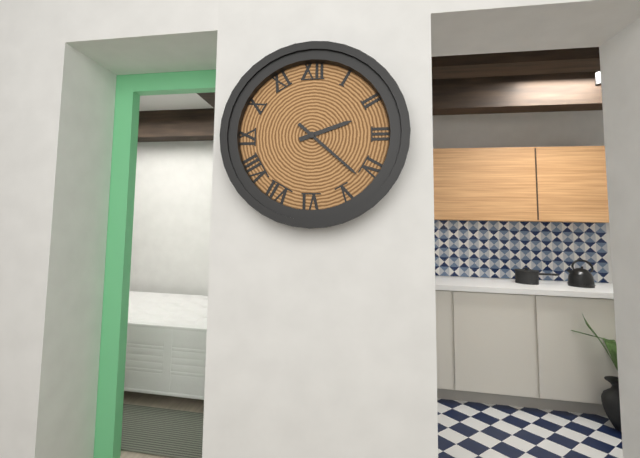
2:22
